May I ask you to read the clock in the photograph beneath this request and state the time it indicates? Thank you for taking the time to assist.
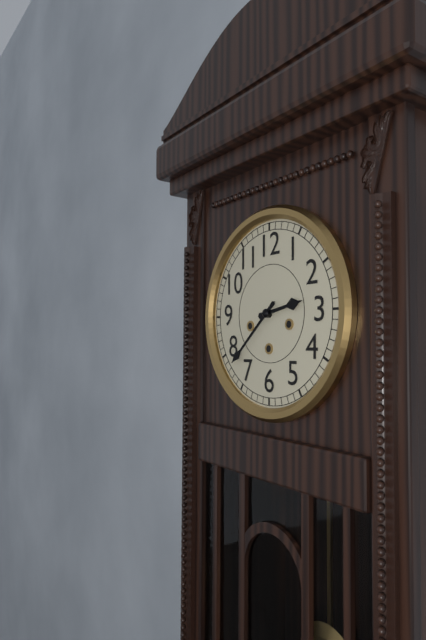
2:38
